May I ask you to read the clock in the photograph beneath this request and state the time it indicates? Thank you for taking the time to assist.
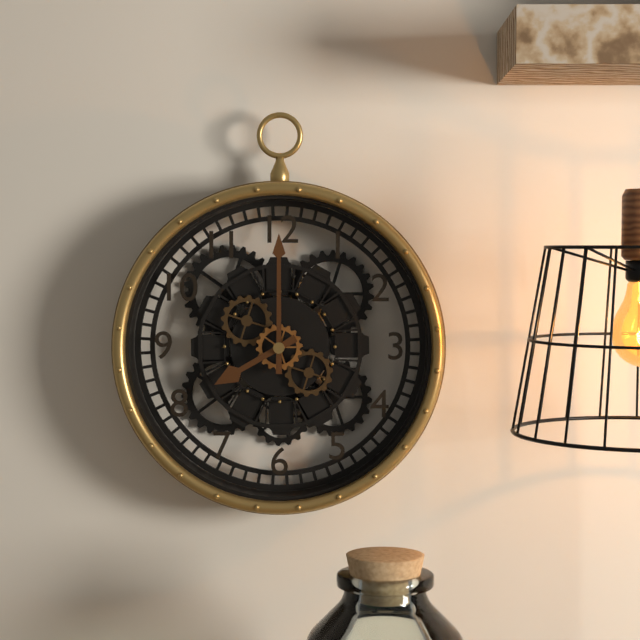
8:00
